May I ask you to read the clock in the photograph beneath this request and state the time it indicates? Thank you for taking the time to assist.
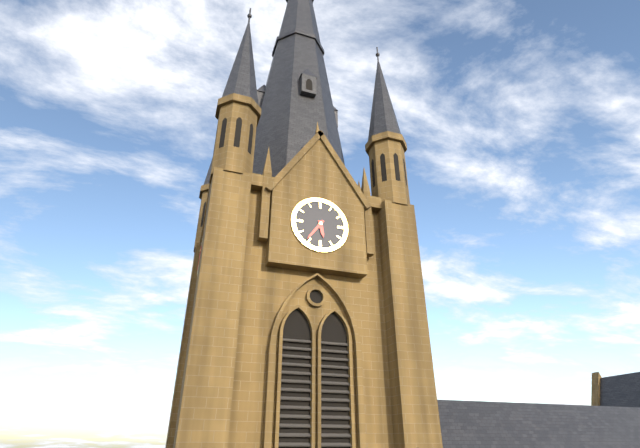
5:36
